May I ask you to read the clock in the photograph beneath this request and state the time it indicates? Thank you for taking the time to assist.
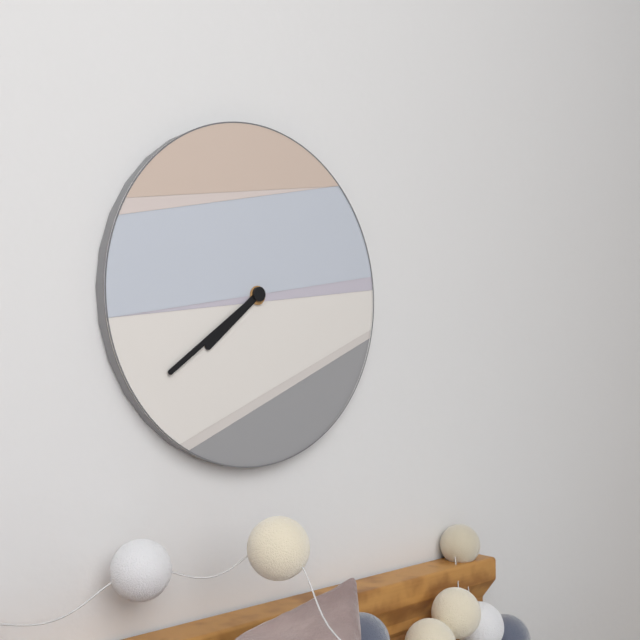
7:39
